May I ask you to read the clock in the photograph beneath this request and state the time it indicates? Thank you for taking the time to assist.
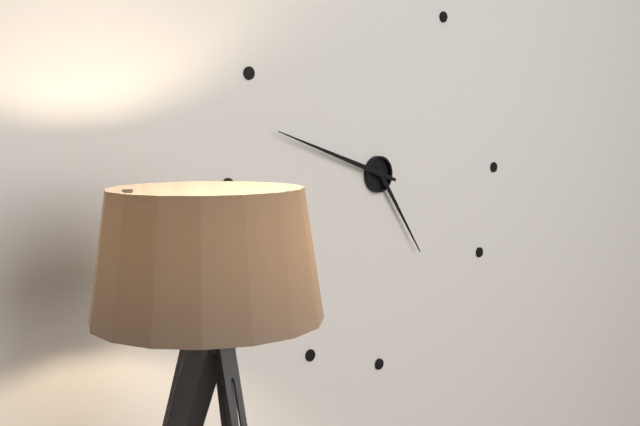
4:48
